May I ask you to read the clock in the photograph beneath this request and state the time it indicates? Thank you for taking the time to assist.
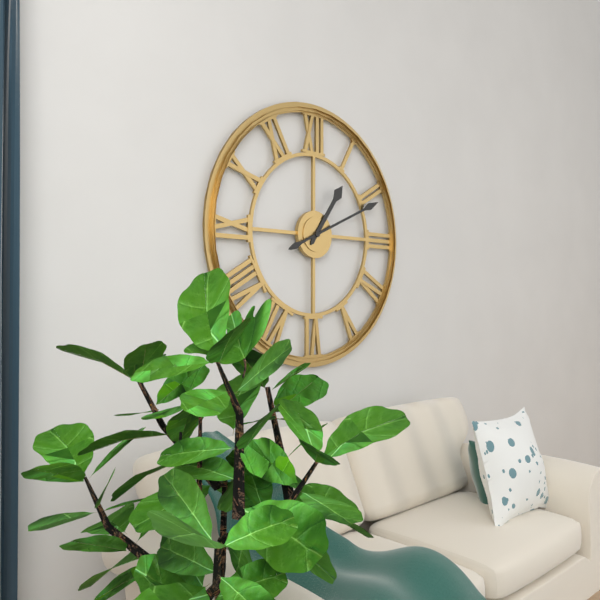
1:11
